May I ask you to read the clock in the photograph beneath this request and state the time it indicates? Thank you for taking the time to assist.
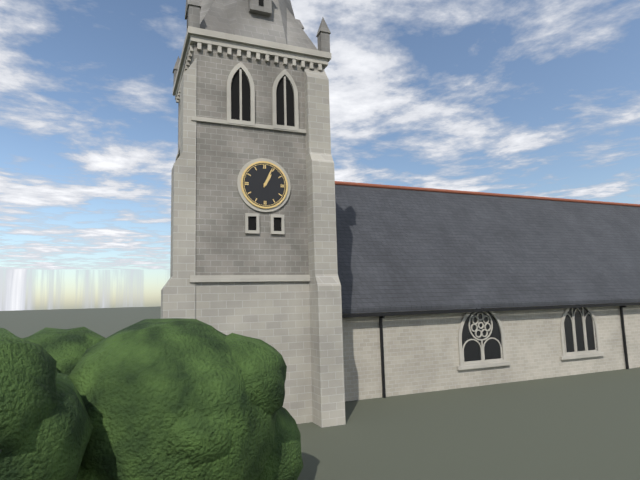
1:04
